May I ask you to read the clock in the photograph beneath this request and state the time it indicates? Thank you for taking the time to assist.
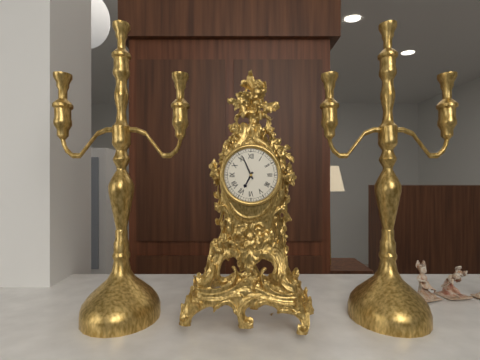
6:56
